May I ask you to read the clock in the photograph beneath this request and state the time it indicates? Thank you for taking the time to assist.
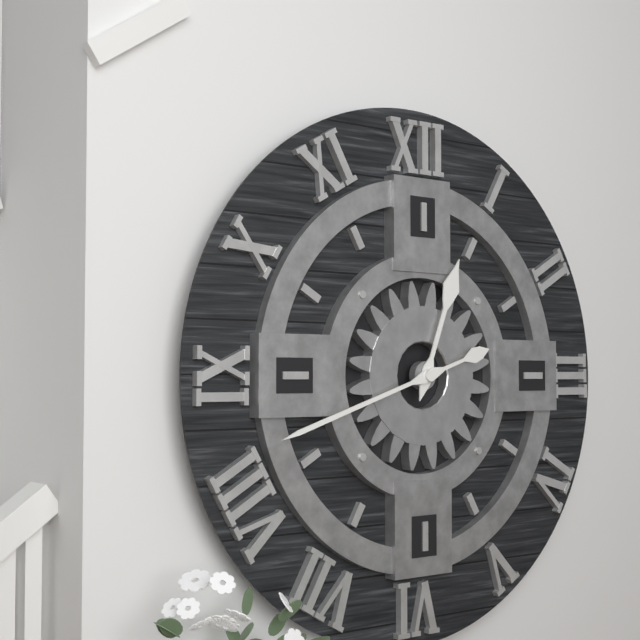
12:42
